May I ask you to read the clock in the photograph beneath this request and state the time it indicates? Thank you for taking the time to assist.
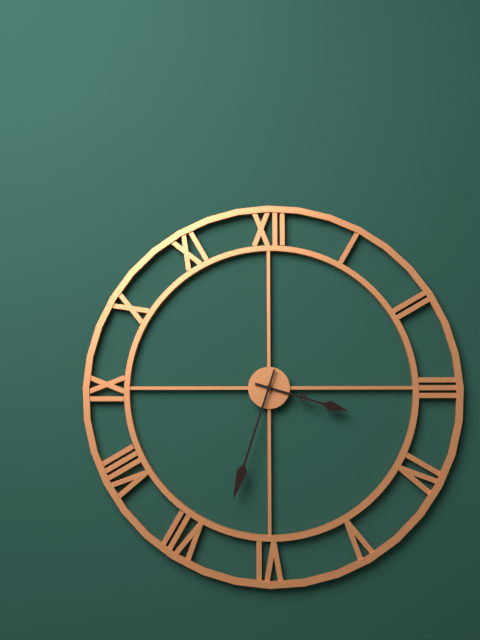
3:33
